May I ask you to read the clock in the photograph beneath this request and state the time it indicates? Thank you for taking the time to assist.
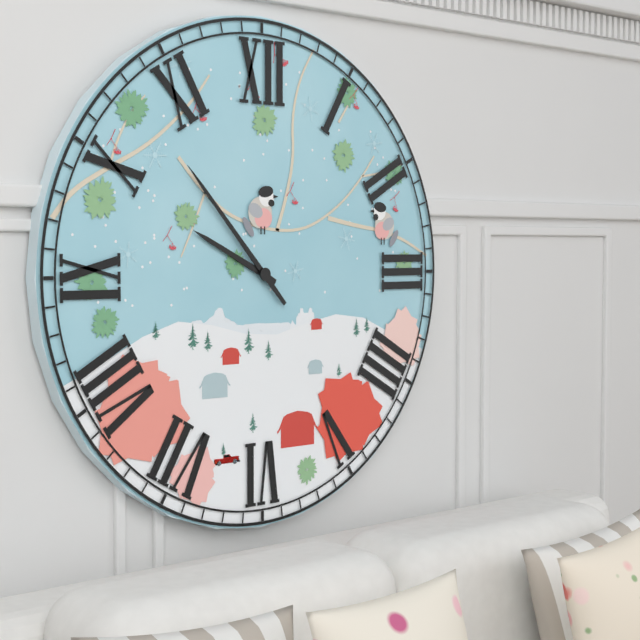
9:53
